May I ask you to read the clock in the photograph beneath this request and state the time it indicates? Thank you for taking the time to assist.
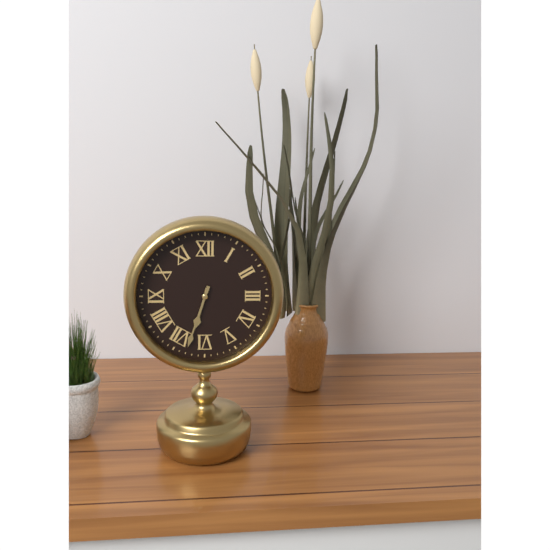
6:33
